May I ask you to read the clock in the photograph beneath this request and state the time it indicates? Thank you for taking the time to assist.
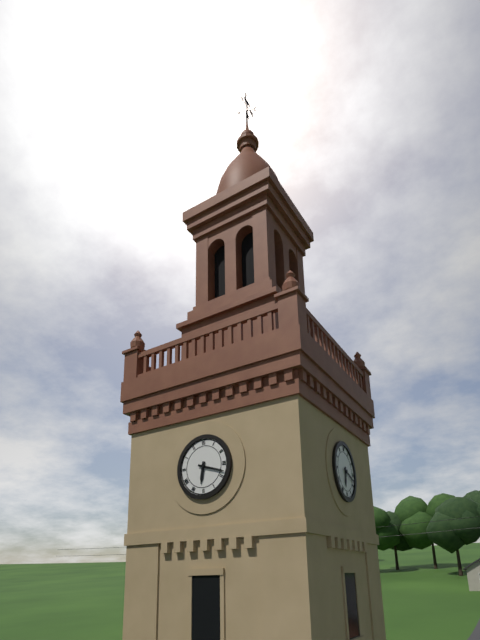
6:18
